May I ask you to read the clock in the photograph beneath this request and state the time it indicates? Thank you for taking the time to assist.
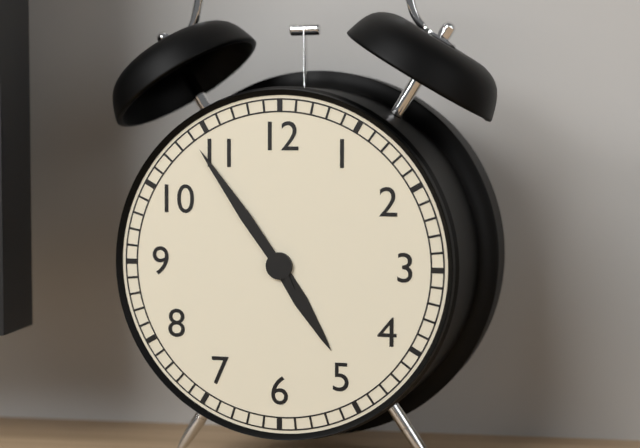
4:54
